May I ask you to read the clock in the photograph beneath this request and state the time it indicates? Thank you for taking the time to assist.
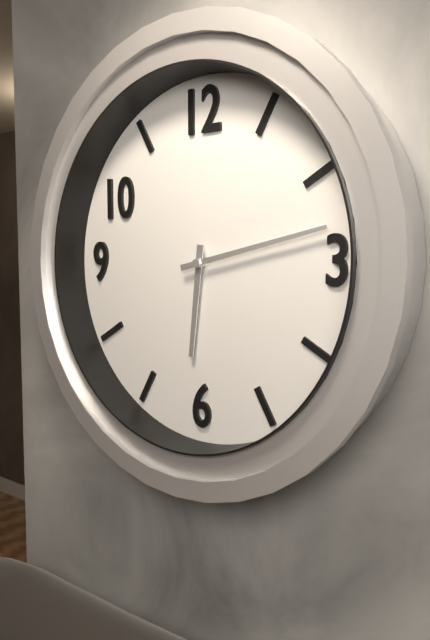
6:13
